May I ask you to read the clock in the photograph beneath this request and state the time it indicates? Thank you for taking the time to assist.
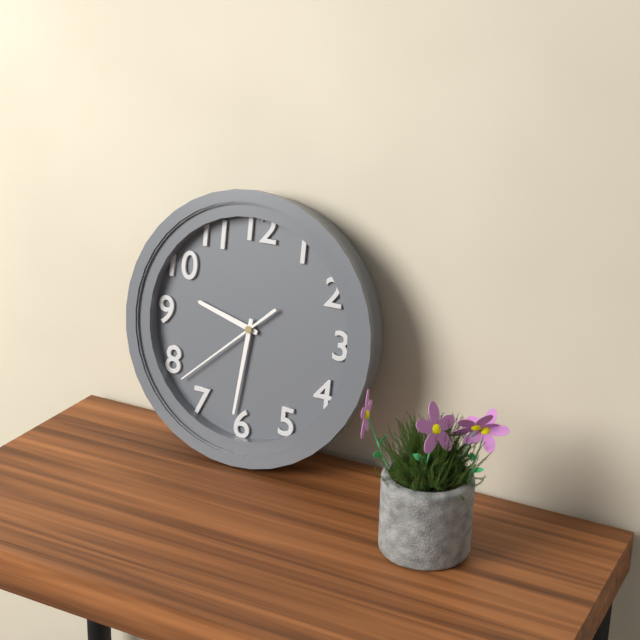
9:31:38
